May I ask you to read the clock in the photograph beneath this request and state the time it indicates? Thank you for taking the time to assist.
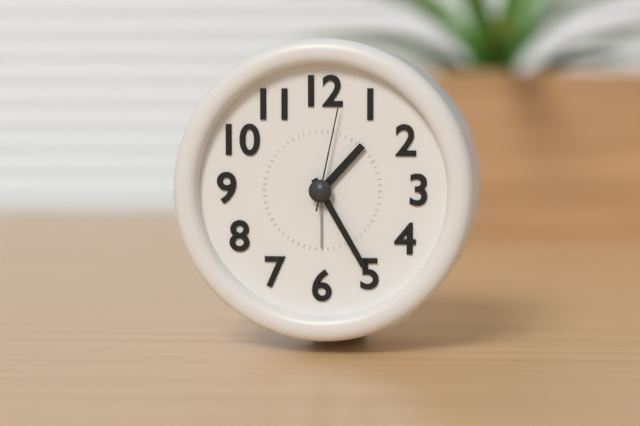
1:25:02
